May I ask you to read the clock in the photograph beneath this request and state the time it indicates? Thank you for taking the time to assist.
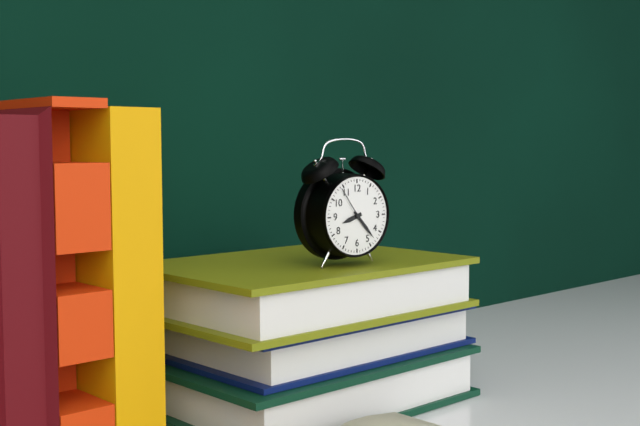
8:23
